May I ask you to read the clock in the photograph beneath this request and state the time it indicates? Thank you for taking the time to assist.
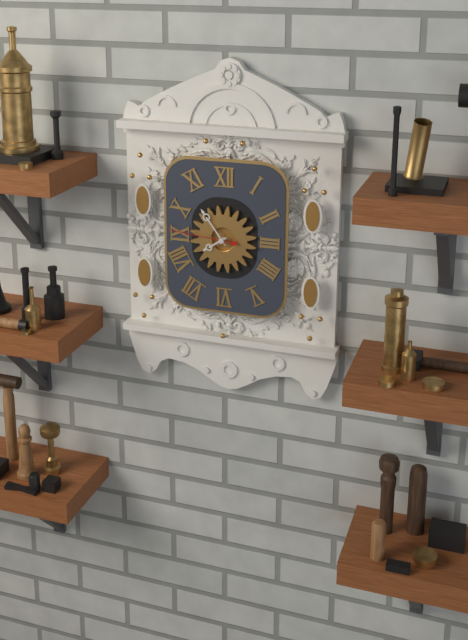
7:54:46
